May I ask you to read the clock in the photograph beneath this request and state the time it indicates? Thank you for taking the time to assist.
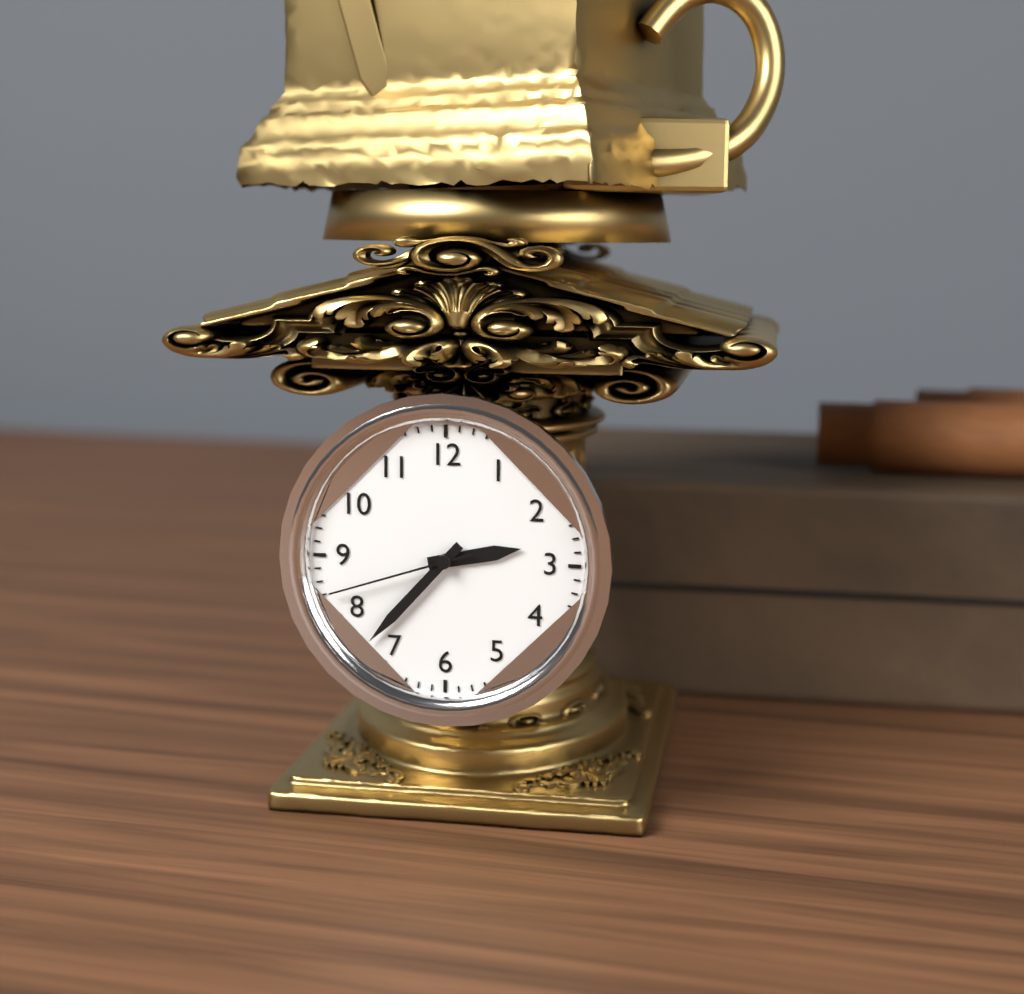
2:37:42
